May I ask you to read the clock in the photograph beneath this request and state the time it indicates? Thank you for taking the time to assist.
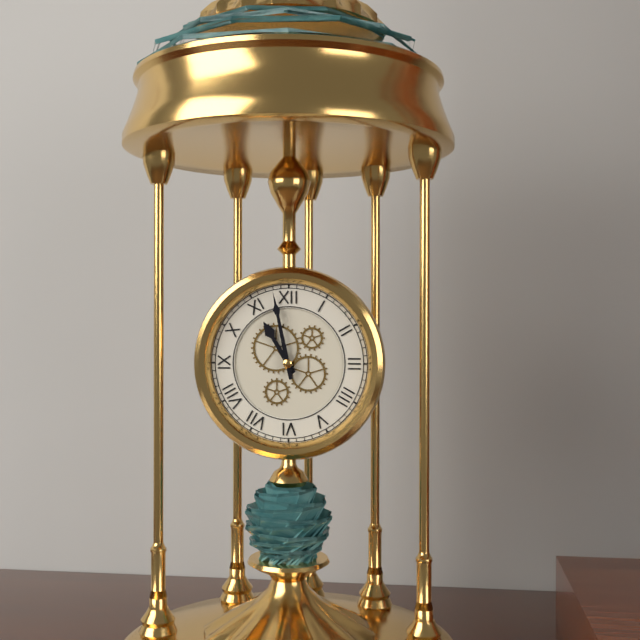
10:58
